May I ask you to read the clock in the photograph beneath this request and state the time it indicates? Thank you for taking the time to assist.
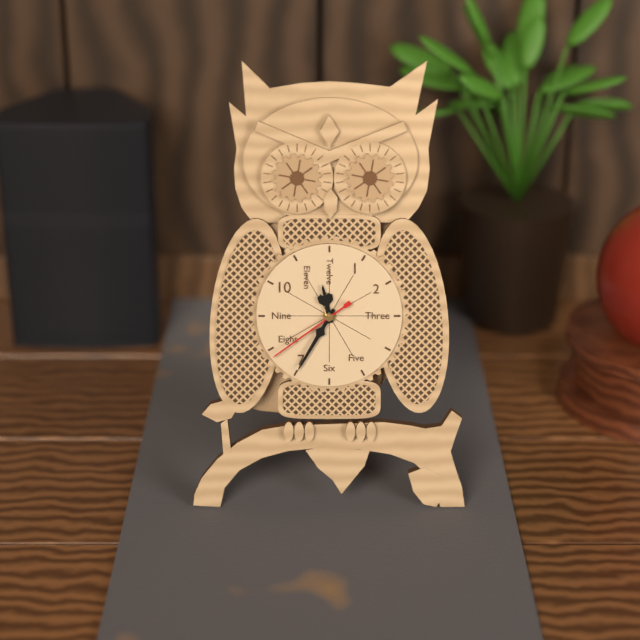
11:35:39
